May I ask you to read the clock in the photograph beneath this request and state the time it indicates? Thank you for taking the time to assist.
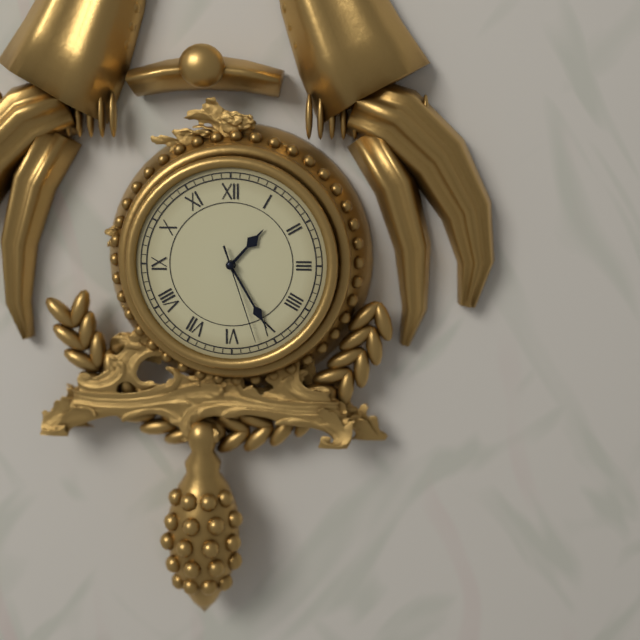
1:25:27
